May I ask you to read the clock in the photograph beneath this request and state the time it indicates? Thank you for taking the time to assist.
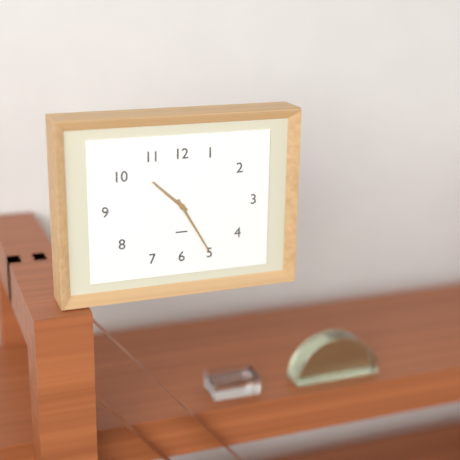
10:25
